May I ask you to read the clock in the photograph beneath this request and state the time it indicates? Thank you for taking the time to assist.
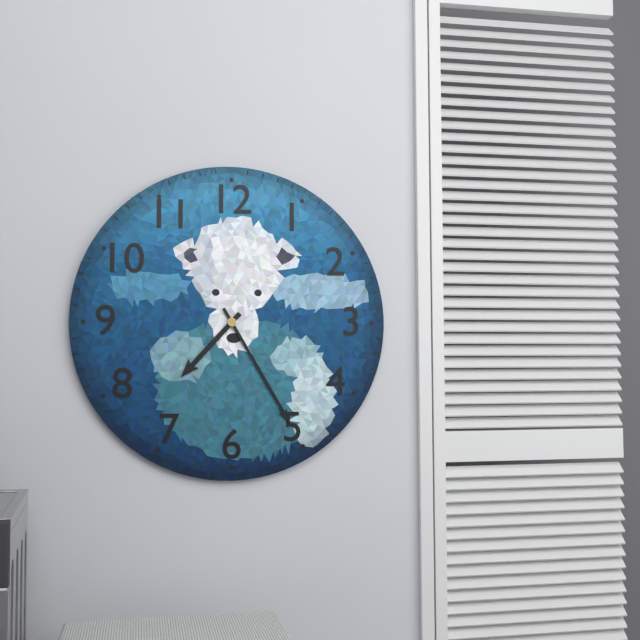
7:25
